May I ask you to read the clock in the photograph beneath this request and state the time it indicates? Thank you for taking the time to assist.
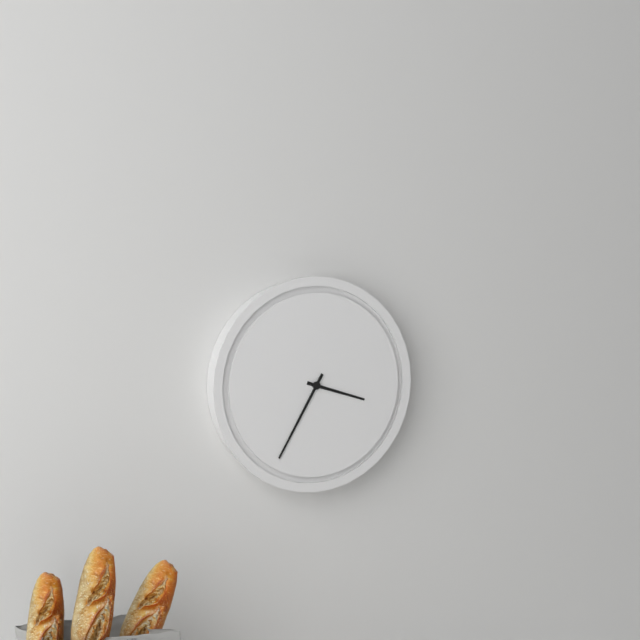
3:35
